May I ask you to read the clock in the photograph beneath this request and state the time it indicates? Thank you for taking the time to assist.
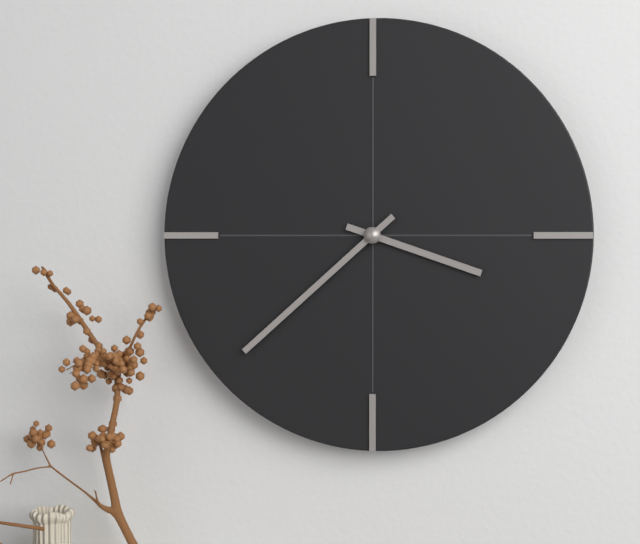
3:38
